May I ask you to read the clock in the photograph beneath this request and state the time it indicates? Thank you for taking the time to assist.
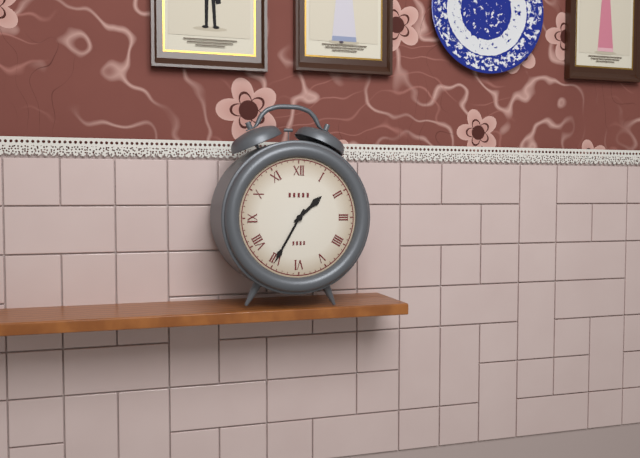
1:35
